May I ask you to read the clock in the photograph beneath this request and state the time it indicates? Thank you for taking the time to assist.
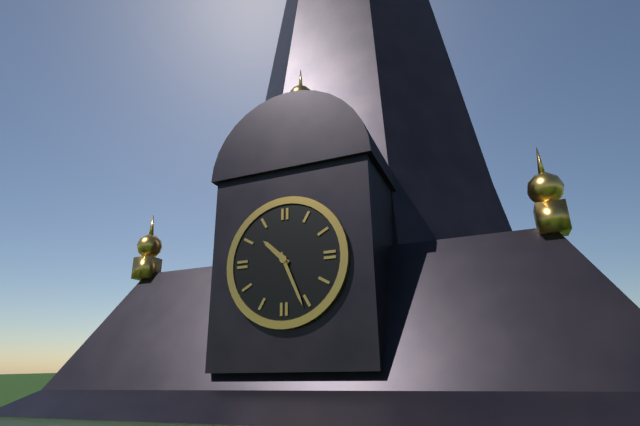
10:26
